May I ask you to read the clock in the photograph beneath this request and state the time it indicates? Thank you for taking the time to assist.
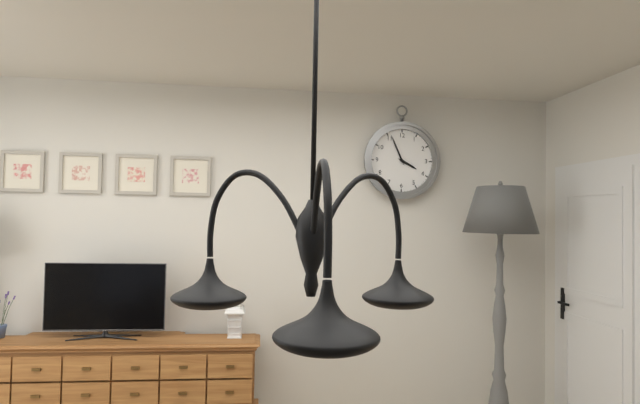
3:56
